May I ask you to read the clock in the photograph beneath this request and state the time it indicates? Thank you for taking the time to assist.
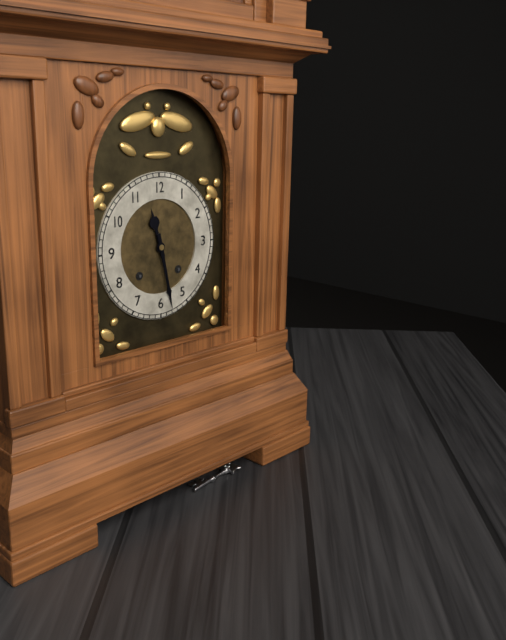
11:28
